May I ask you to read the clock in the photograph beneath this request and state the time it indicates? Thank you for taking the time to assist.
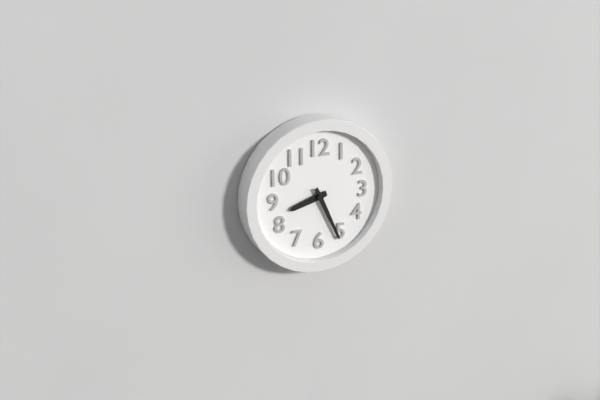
8:26
